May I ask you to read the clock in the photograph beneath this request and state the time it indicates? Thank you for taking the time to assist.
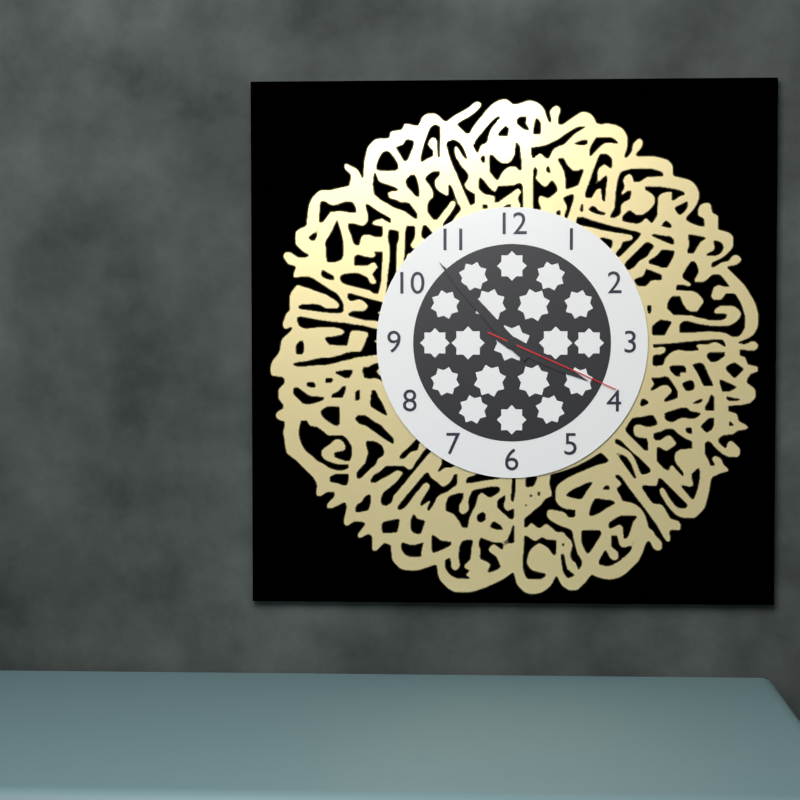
3:53:19
